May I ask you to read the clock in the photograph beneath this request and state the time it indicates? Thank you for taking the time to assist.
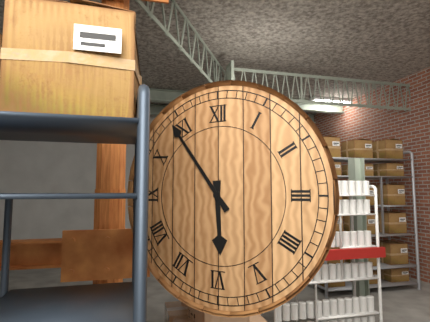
5:54
